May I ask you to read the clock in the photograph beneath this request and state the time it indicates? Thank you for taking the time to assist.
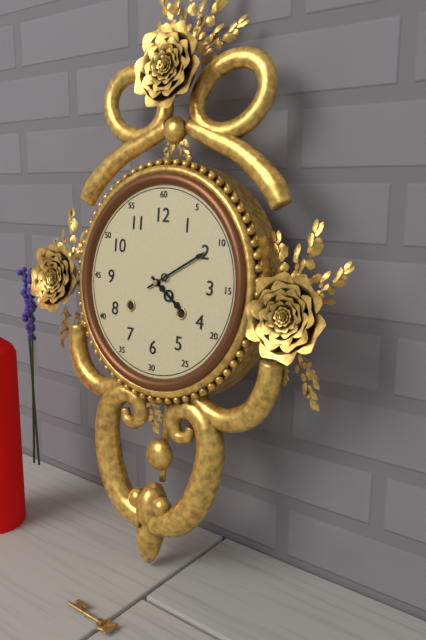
4:10
